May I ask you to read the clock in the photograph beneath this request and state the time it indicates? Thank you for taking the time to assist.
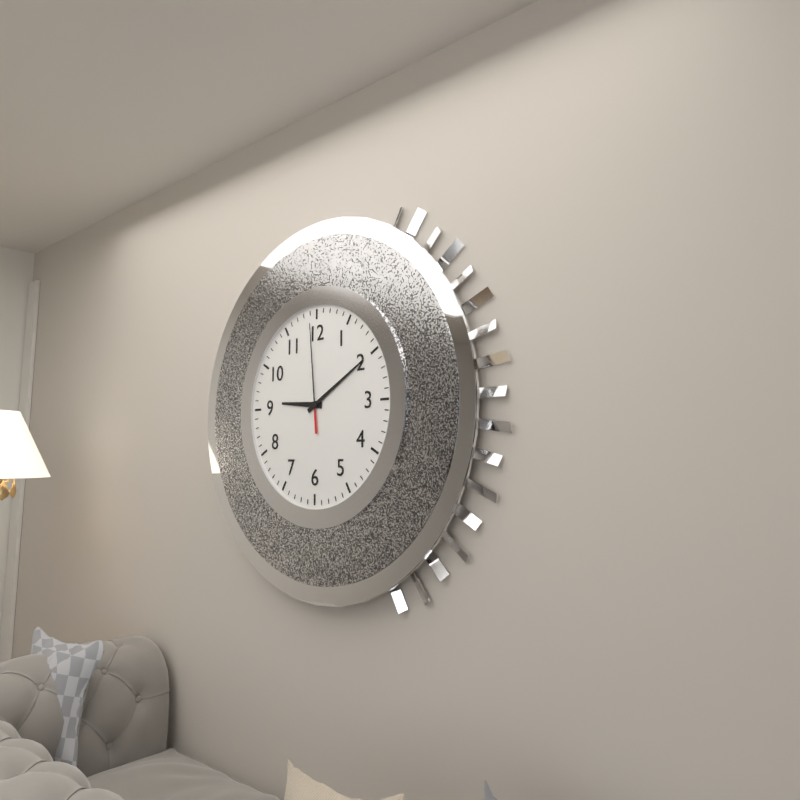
9:10:59
